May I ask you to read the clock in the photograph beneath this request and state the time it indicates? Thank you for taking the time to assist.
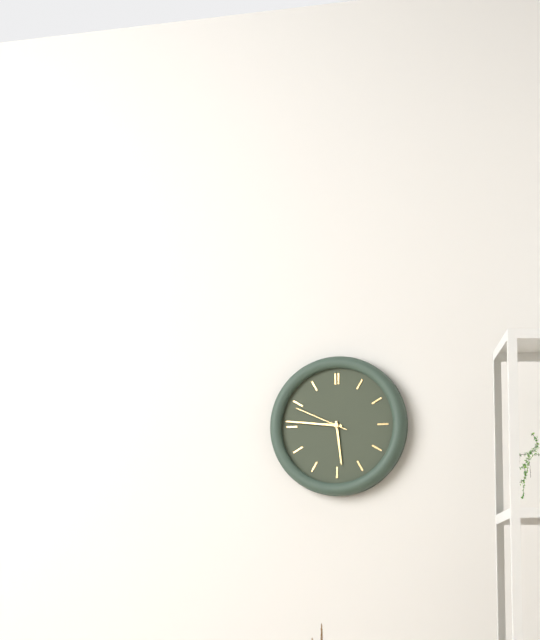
5:46:49
